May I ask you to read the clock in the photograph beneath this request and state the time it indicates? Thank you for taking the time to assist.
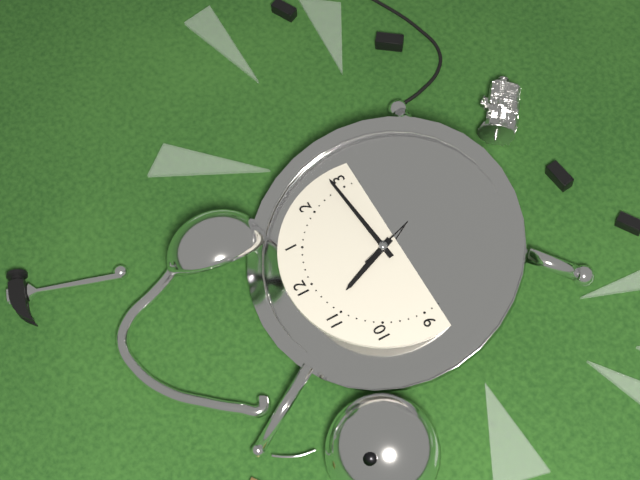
11:14
